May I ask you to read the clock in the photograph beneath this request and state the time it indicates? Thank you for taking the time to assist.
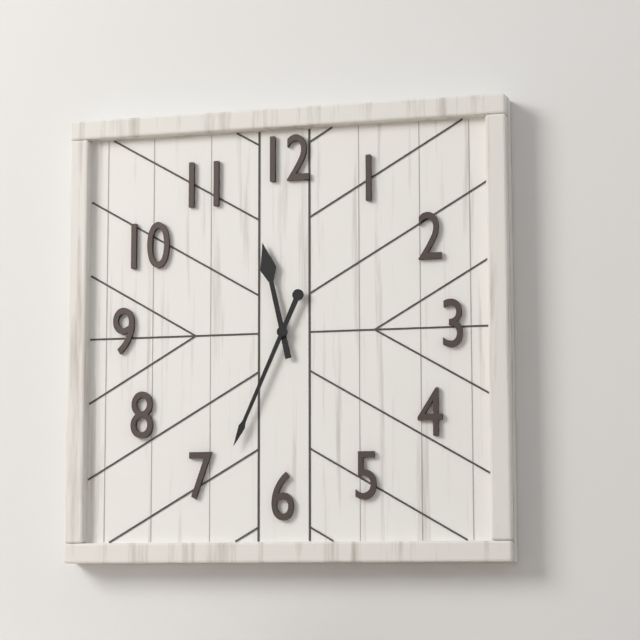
11:34
